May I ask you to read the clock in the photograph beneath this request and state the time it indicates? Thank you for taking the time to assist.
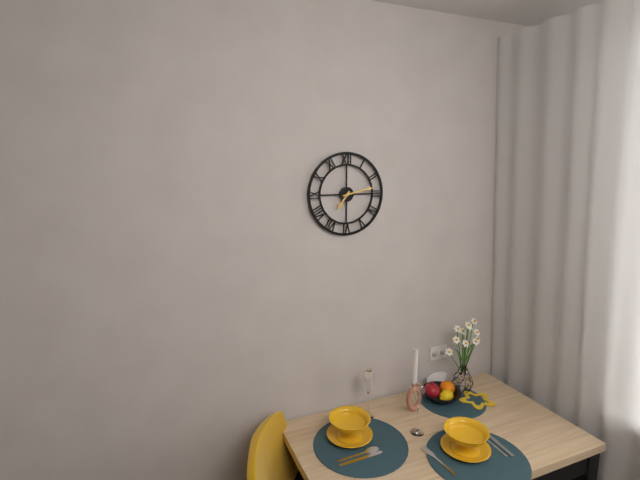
7:13
